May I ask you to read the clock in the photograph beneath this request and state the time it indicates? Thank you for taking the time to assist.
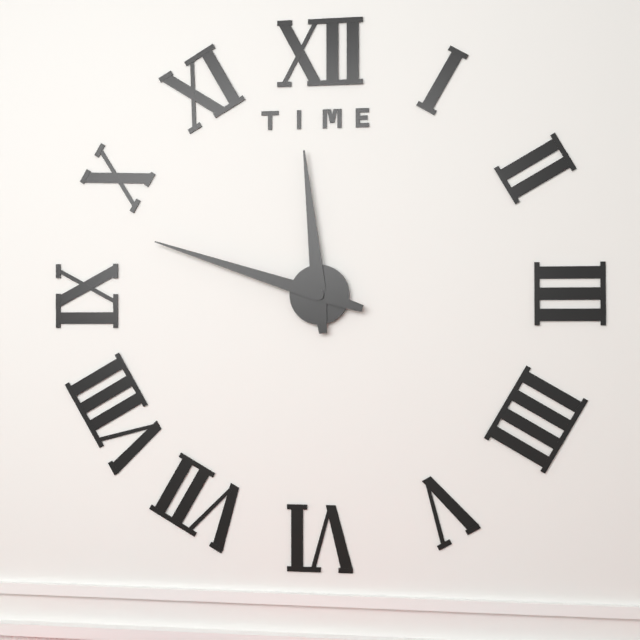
11:48
